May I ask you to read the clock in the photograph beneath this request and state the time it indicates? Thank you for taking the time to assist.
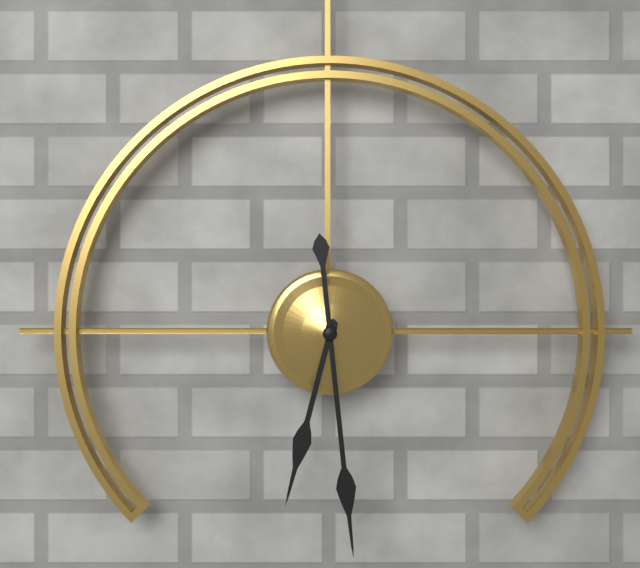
6:29
